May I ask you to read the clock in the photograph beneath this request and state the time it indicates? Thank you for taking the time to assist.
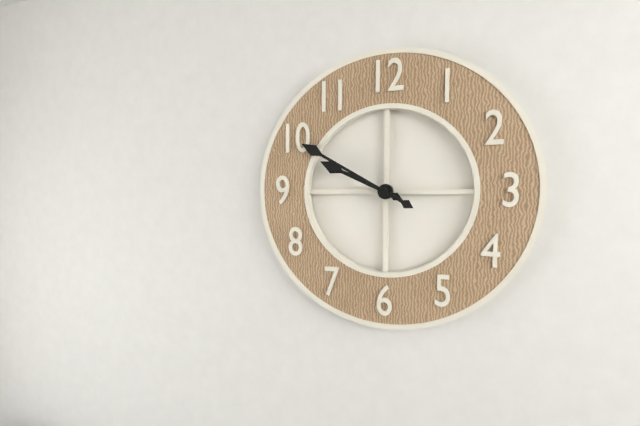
9:50
